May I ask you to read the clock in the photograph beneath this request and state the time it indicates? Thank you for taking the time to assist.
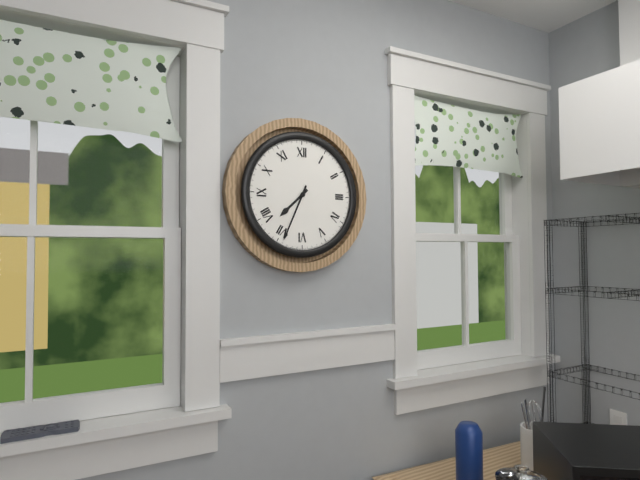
7:34
